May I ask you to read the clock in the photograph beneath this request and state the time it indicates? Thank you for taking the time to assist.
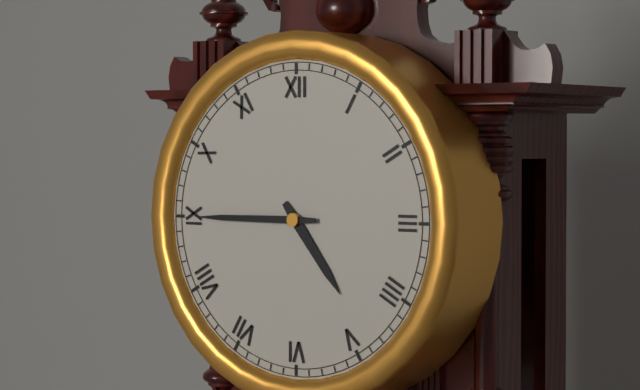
4:45
